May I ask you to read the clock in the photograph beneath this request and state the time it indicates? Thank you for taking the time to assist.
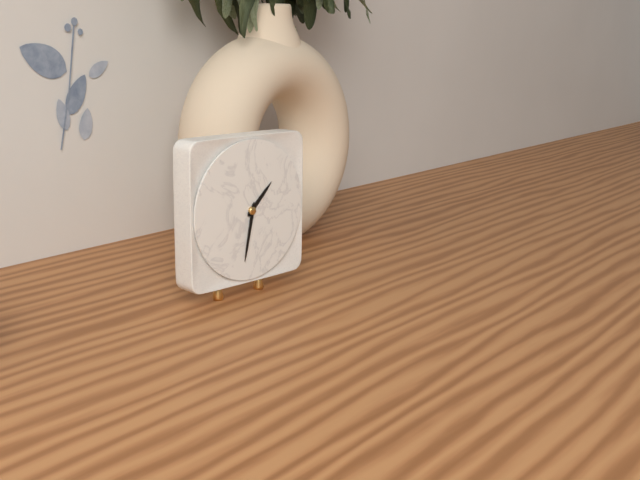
1:32
